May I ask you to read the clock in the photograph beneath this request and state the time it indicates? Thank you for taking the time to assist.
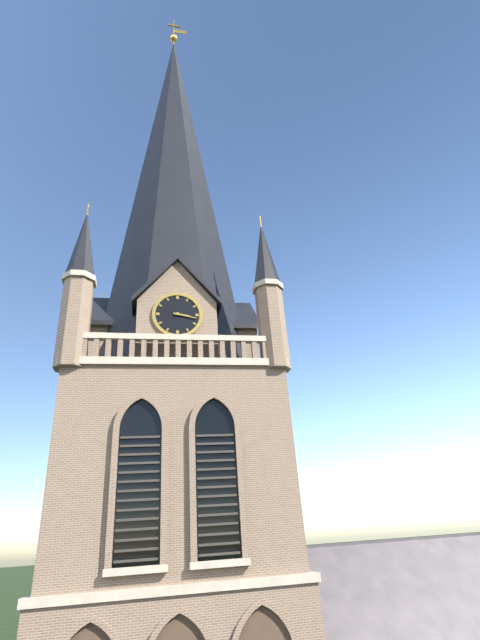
3:17
